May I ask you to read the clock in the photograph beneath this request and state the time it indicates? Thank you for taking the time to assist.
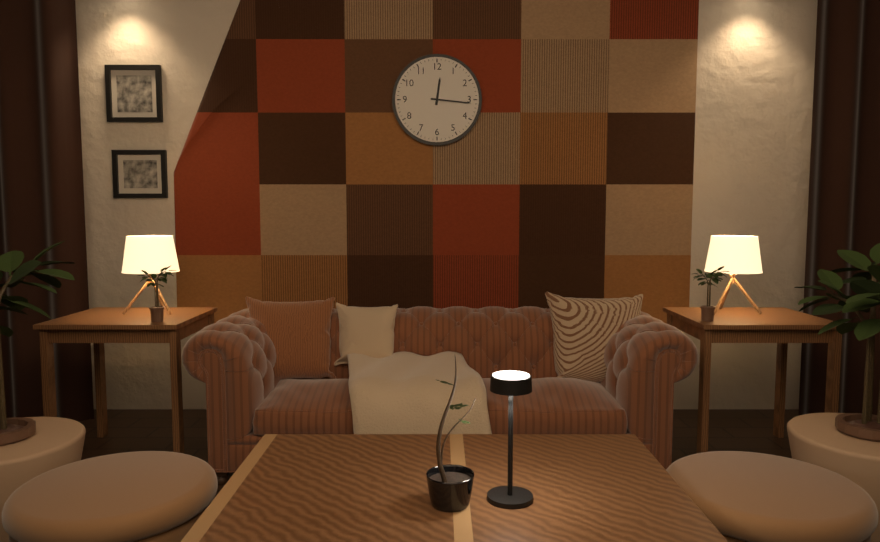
12:16
